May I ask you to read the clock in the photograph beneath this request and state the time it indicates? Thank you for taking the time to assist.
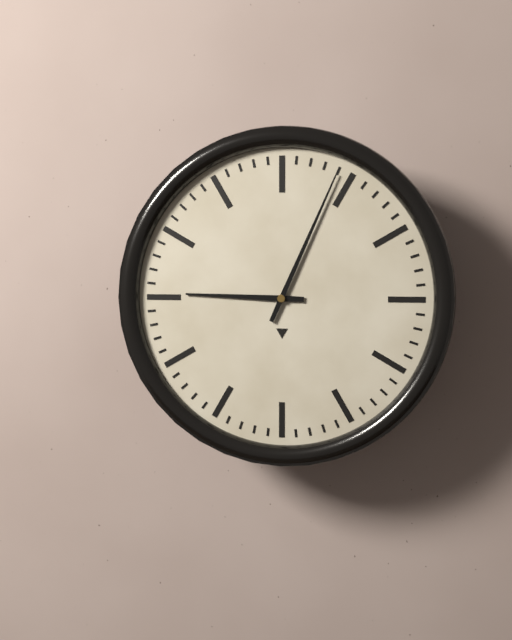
9:04
